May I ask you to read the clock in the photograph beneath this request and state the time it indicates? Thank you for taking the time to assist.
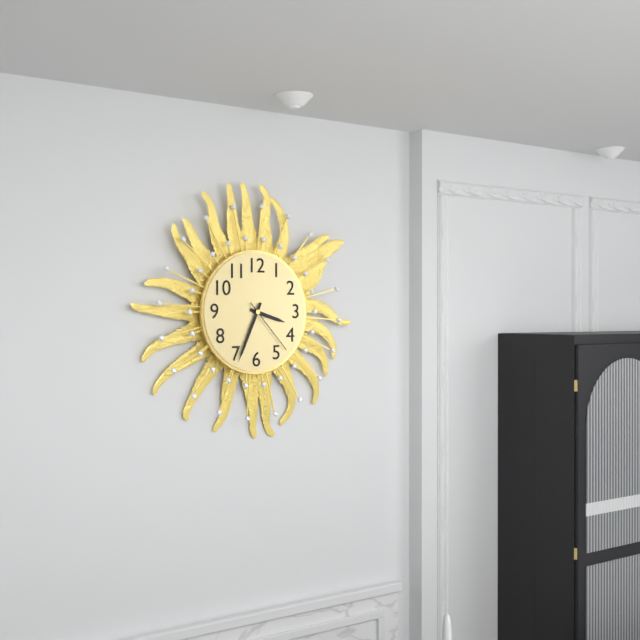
3:34:23
